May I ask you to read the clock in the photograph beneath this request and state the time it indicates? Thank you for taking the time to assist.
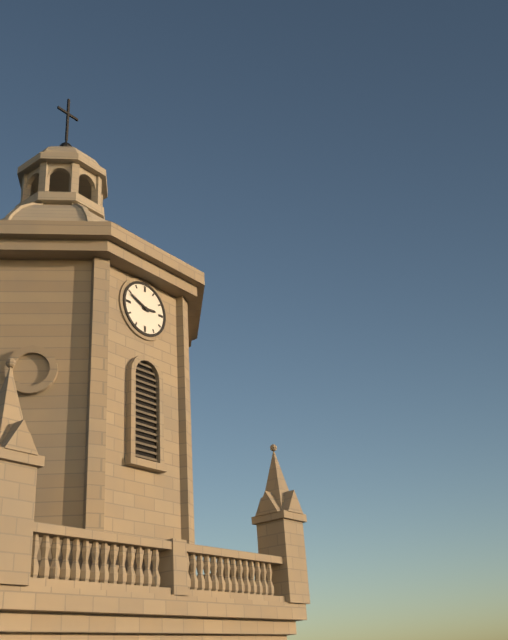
2:49
